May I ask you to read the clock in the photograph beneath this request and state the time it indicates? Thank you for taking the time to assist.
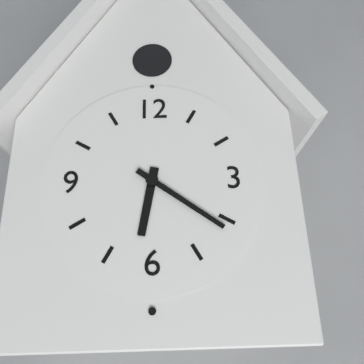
6:21
